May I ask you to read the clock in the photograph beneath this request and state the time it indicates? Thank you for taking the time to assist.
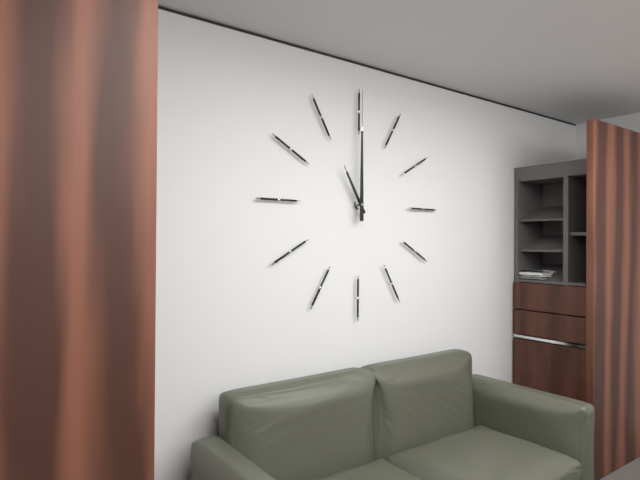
11:00
